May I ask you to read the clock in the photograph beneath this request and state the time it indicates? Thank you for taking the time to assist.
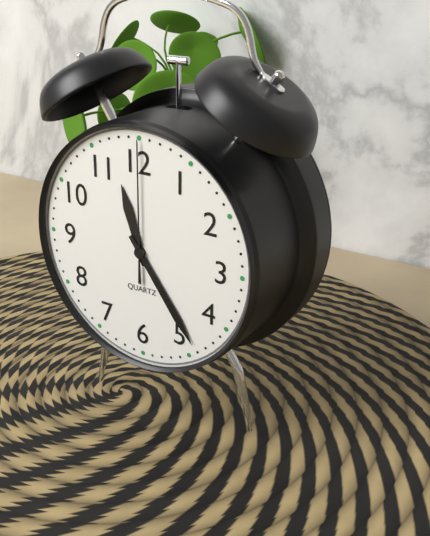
11:24:00
